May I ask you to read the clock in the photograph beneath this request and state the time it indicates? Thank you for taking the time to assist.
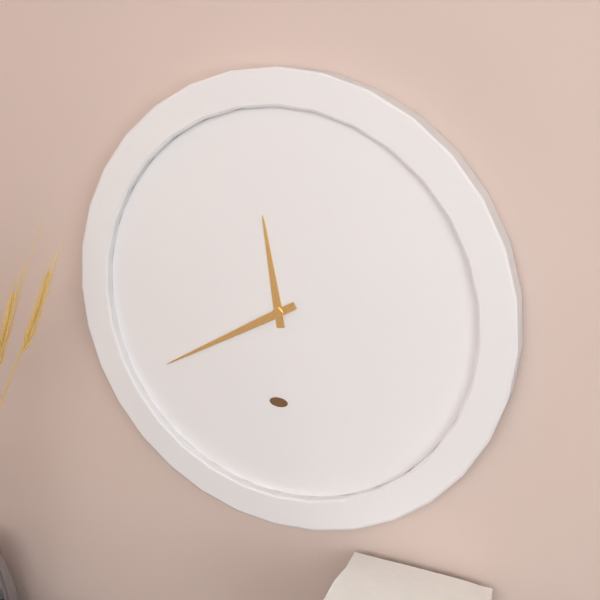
11:40
